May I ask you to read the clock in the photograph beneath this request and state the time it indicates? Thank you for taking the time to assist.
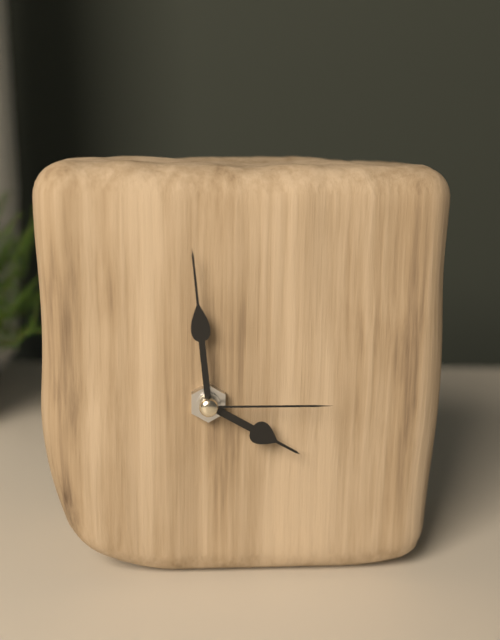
3:59:15
